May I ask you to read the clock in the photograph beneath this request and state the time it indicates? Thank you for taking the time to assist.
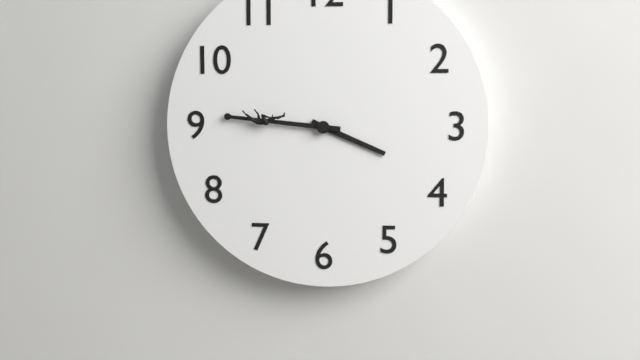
3:46
